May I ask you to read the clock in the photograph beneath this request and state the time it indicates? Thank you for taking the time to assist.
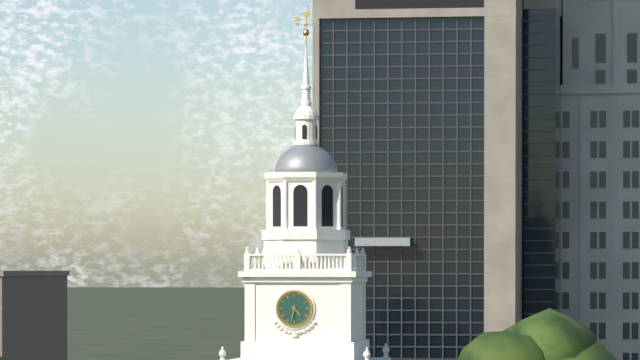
4:32
